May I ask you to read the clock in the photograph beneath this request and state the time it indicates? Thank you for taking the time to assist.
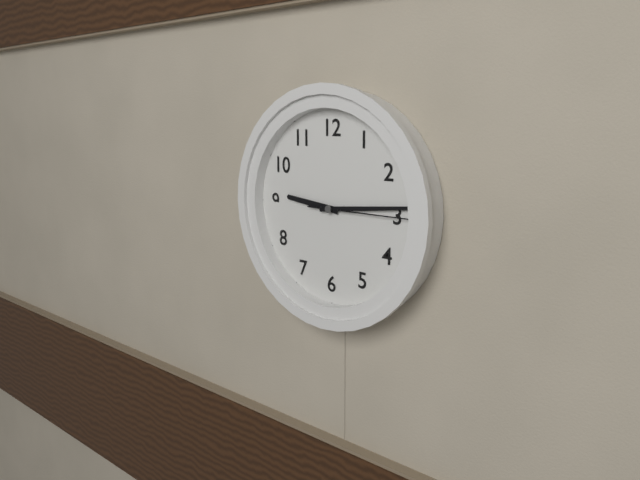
9:14:15
